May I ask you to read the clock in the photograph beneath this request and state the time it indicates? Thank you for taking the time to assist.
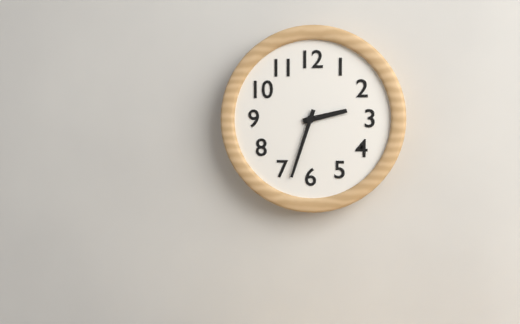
2:33
